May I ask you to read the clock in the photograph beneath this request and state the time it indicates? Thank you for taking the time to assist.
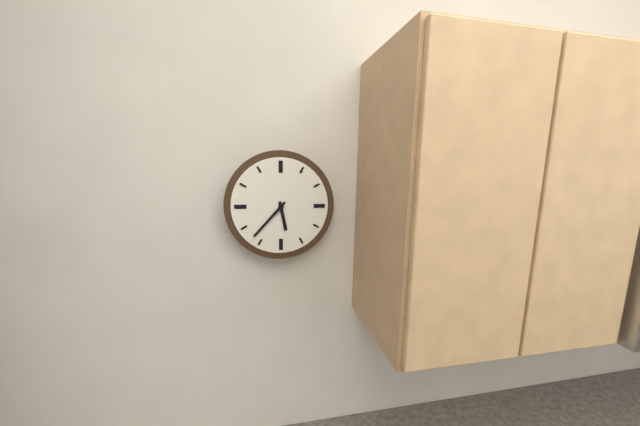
5:37
